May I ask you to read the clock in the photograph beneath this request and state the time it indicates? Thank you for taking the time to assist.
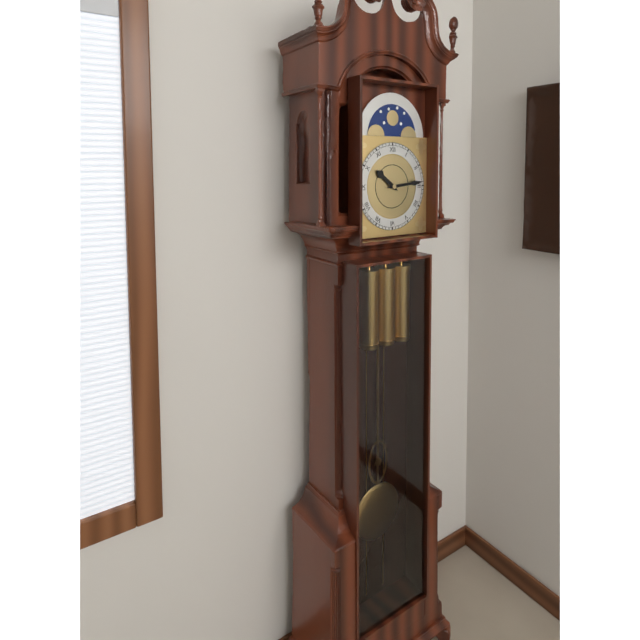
10:14
